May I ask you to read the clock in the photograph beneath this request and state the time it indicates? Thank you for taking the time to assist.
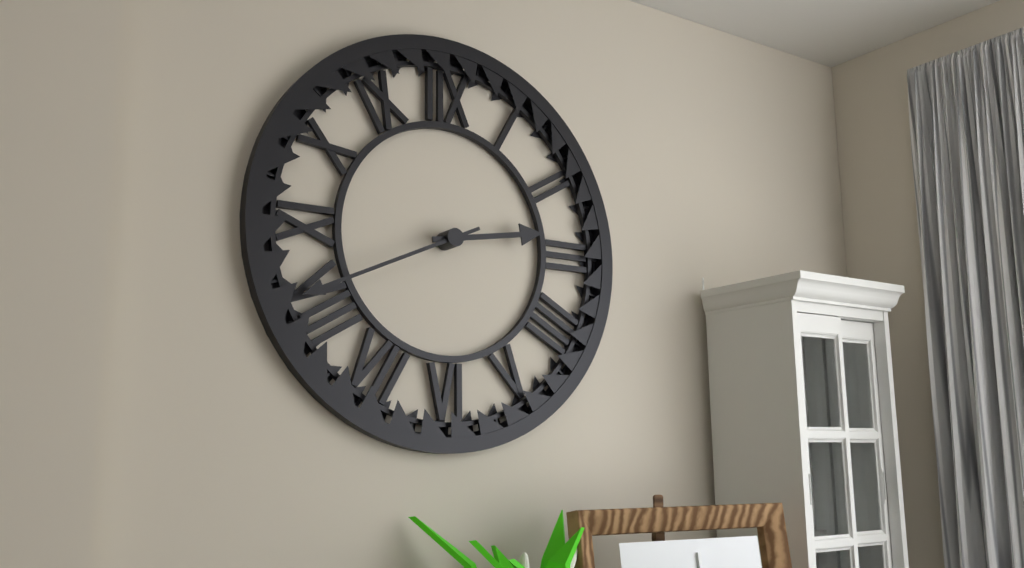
2:41
